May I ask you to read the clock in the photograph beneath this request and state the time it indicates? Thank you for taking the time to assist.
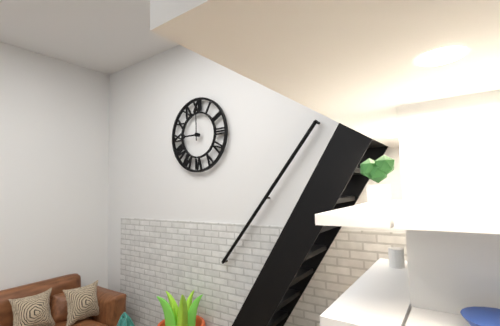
9:00
